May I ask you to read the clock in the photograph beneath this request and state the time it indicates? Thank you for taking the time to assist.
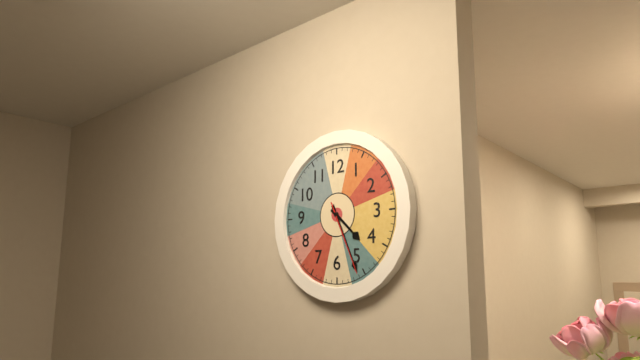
4:26:26
